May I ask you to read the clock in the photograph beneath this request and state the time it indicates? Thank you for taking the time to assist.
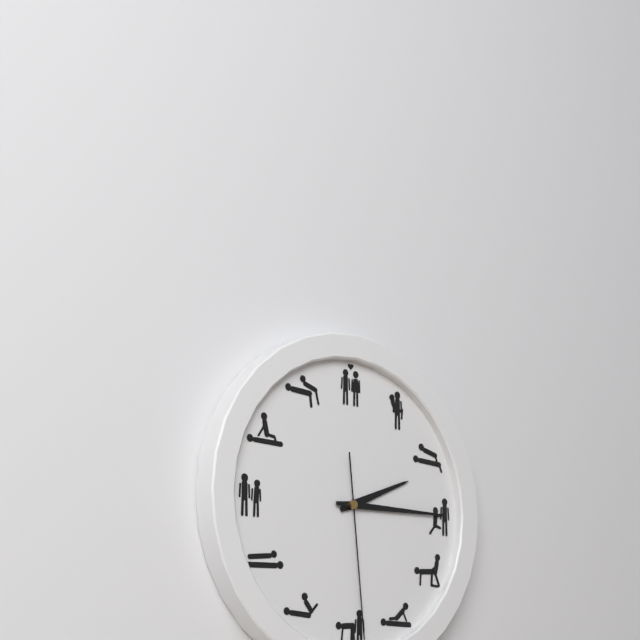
2:15
